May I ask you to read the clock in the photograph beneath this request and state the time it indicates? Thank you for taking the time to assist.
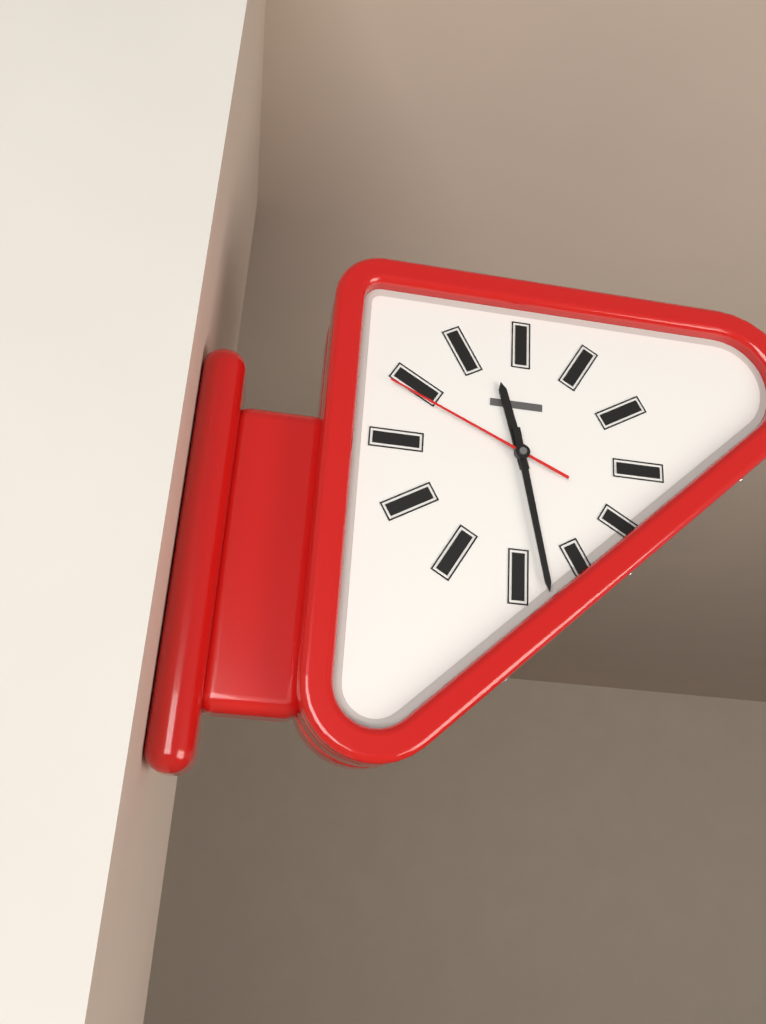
11:28:49
